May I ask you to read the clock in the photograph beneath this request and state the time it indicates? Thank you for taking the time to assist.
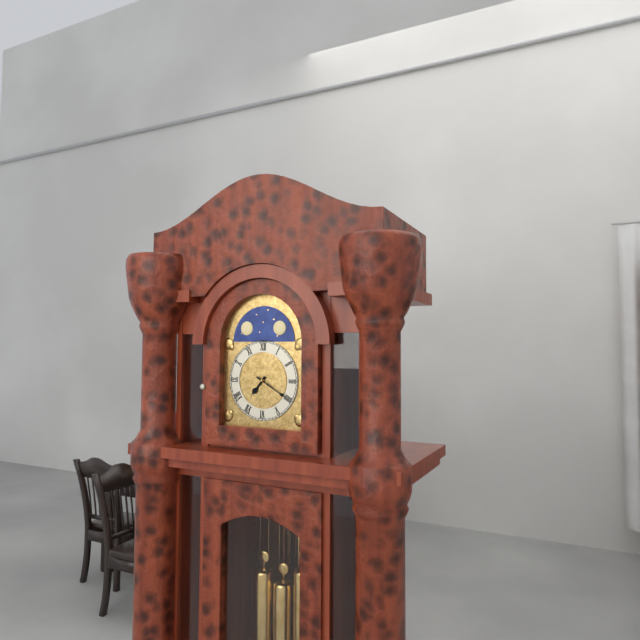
7:20
